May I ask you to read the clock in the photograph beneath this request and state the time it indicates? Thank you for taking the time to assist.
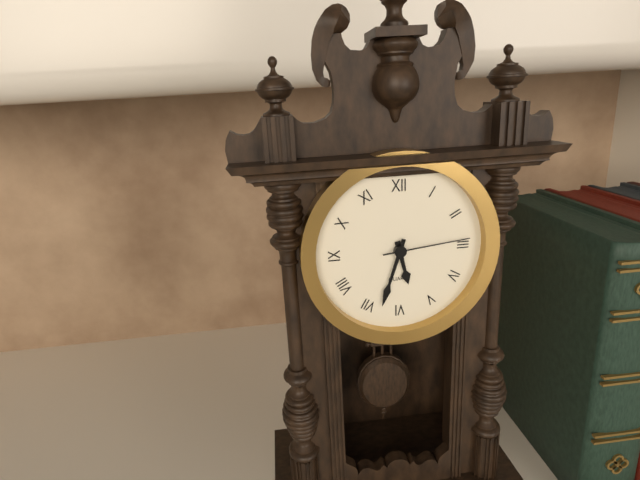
5:33:14
